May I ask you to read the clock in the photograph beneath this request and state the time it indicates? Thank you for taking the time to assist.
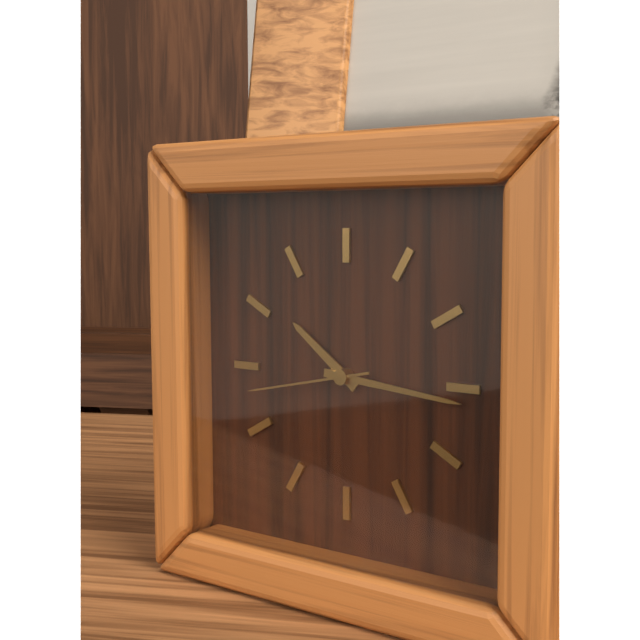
10:16:43
